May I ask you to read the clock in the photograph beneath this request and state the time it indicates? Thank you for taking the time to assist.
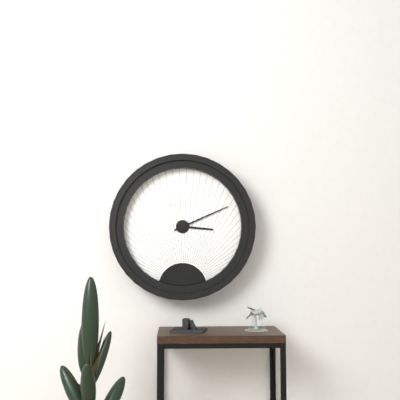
3:11
